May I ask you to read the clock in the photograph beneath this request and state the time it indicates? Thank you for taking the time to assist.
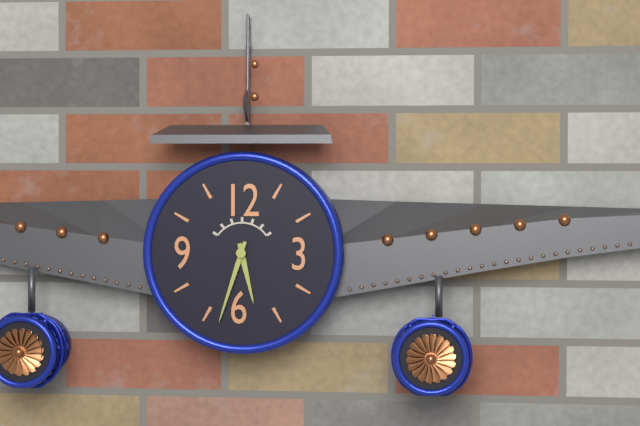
5:33
